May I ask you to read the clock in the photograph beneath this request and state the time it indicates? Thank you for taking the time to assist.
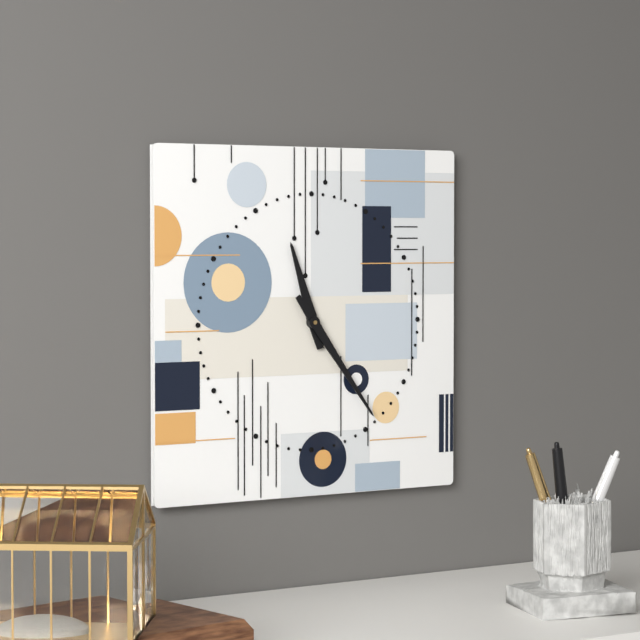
11:24
